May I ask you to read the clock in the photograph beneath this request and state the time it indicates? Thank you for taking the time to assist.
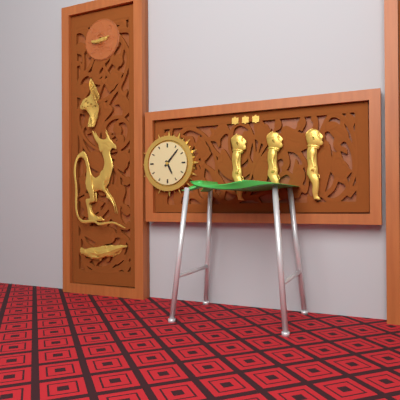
5:07
